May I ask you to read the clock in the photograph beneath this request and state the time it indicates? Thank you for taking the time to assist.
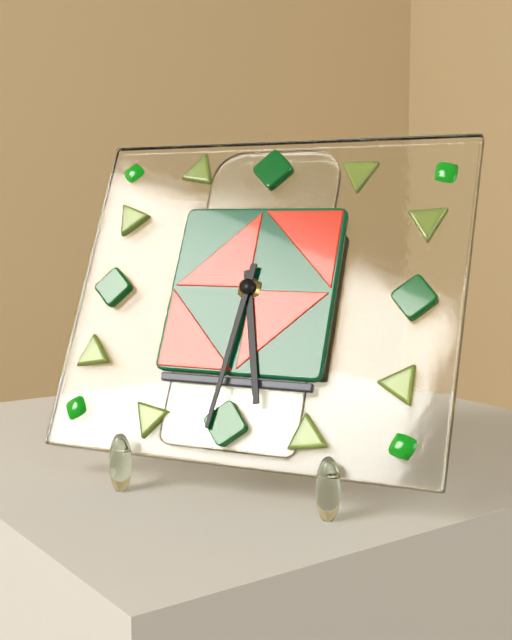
5:31
